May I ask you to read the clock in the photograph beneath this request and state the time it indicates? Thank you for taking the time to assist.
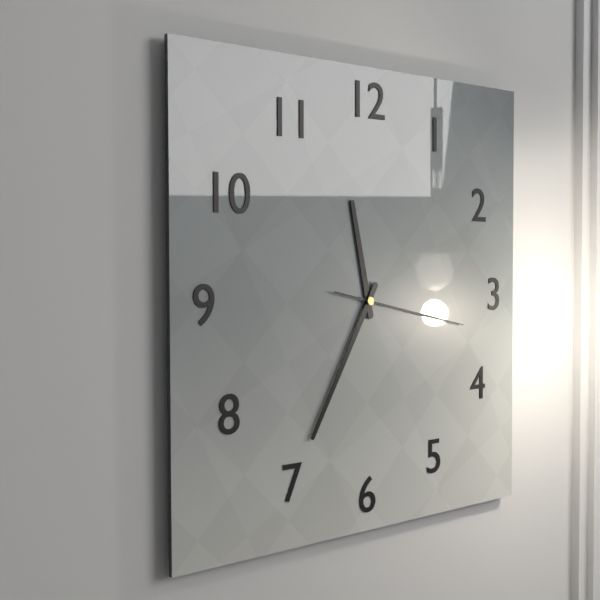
11:35:17
